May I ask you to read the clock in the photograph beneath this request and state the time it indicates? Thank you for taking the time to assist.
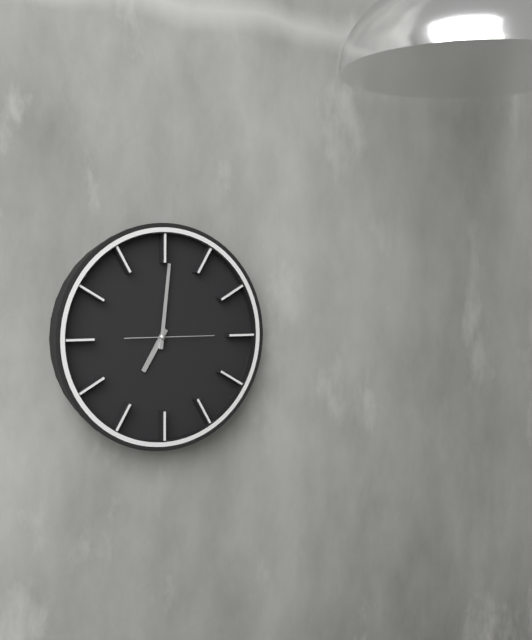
7:01:15
